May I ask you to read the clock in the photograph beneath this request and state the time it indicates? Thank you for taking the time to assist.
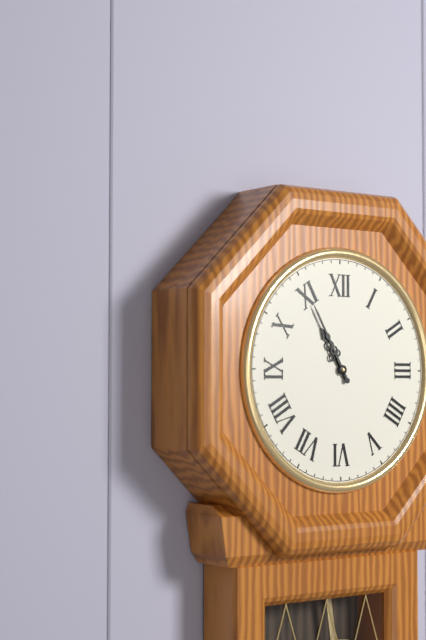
10:55
